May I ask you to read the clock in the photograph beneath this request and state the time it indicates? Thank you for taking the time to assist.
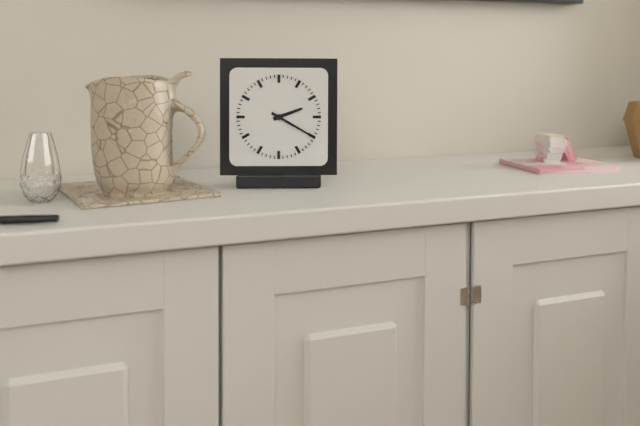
2:20
